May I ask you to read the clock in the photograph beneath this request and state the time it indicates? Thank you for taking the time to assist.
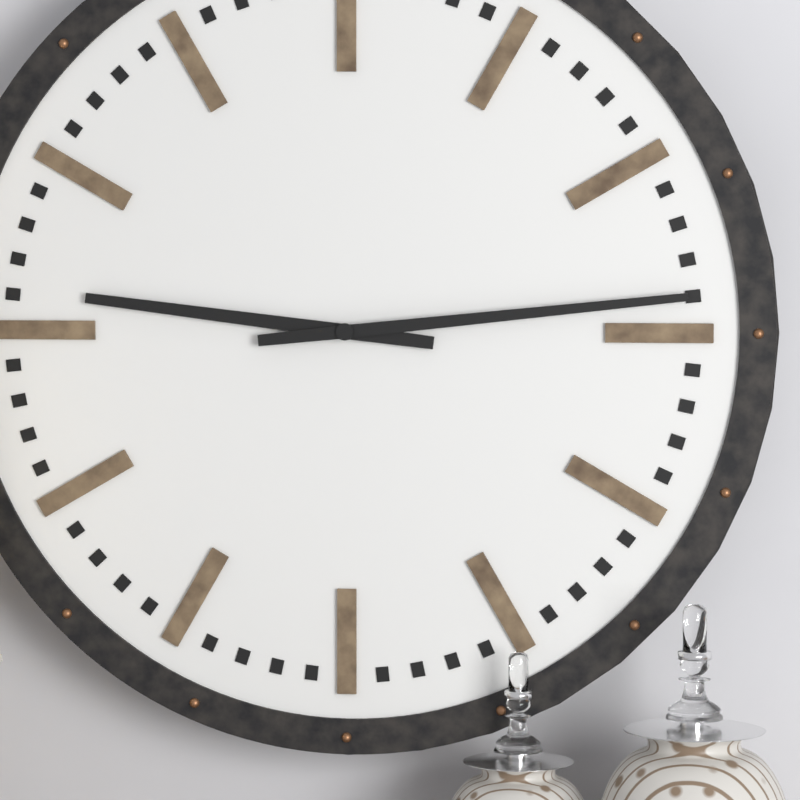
9:14
